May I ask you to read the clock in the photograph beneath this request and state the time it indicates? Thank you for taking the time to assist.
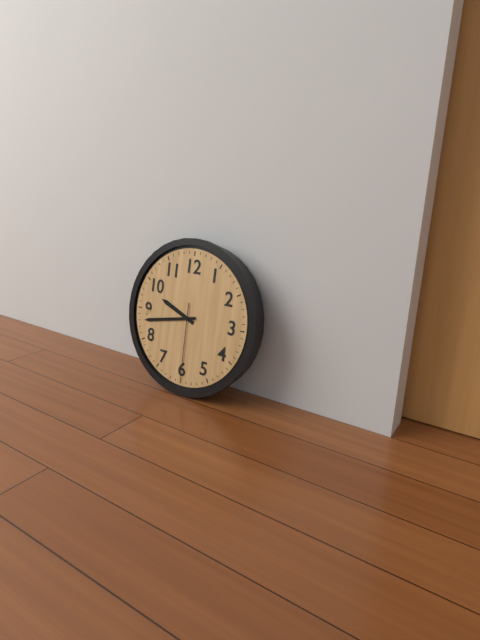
9:43:30
